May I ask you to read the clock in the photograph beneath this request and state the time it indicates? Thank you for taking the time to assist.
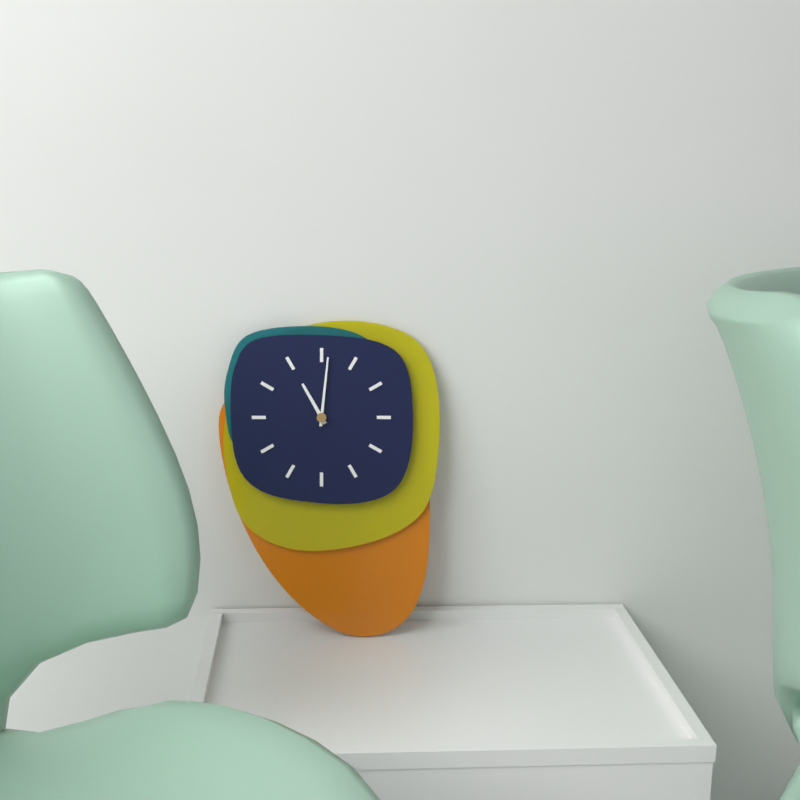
11:01
